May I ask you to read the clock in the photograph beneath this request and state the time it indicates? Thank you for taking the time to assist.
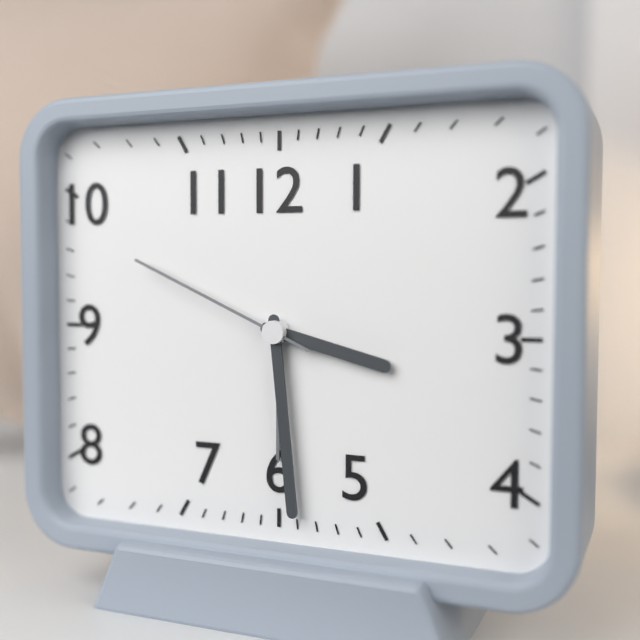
3:29:49
